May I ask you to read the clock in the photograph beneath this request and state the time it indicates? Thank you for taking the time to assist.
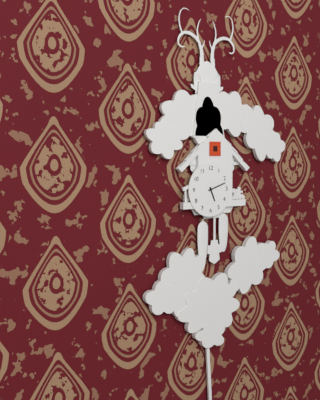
5:12
